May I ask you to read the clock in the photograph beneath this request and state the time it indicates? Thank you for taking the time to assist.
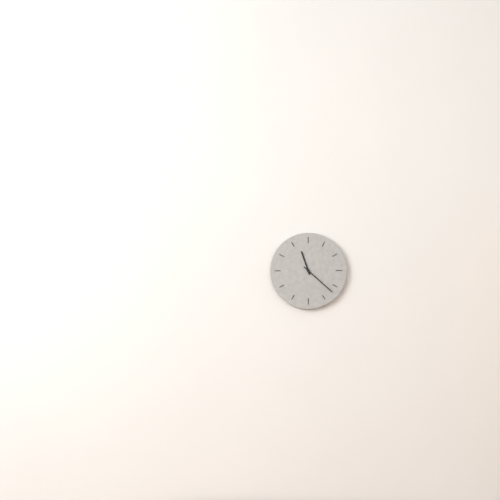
11:22
